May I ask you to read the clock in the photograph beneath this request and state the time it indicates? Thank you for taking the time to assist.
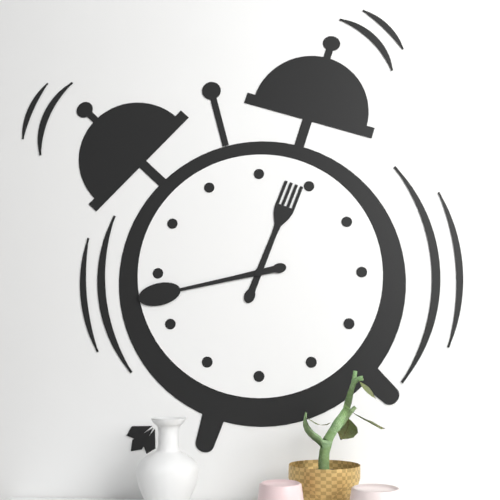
12:43
